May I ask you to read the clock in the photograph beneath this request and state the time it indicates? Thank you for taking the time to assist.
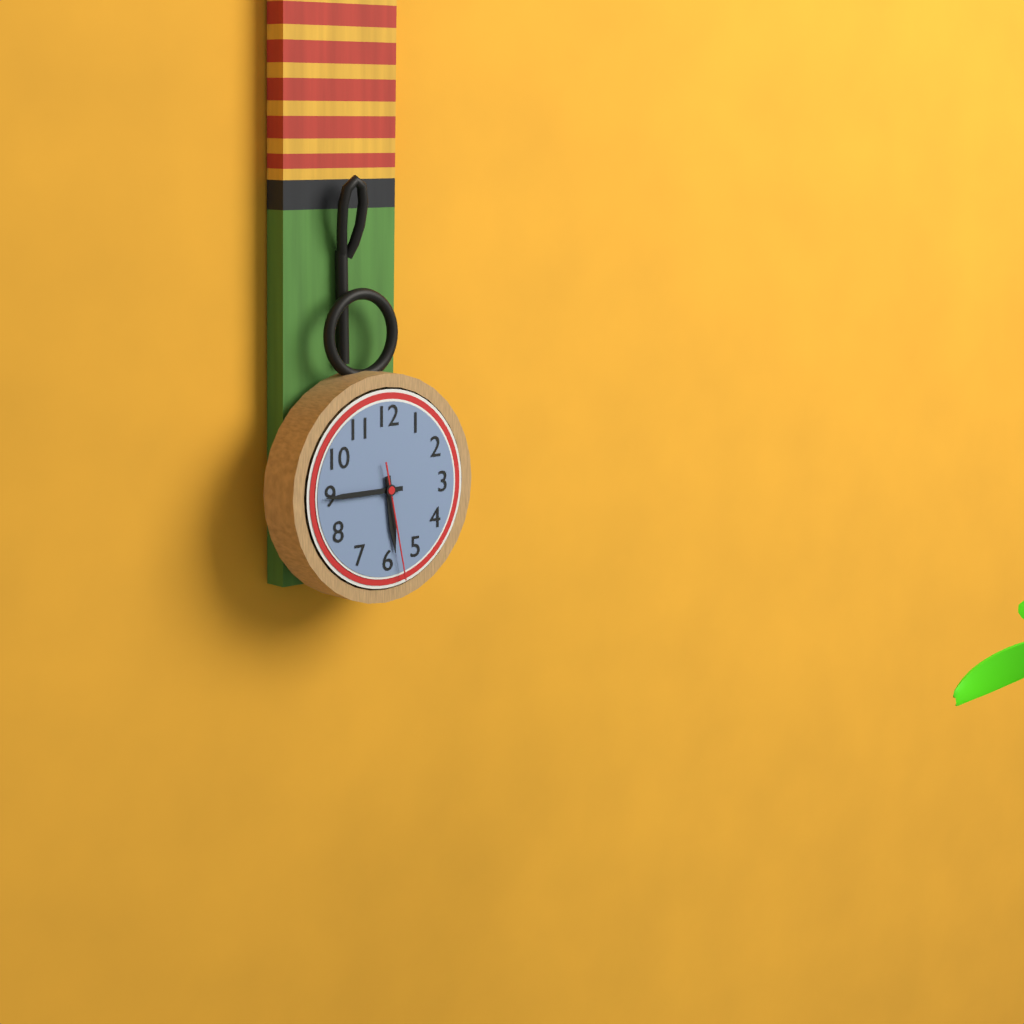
5:45:28
